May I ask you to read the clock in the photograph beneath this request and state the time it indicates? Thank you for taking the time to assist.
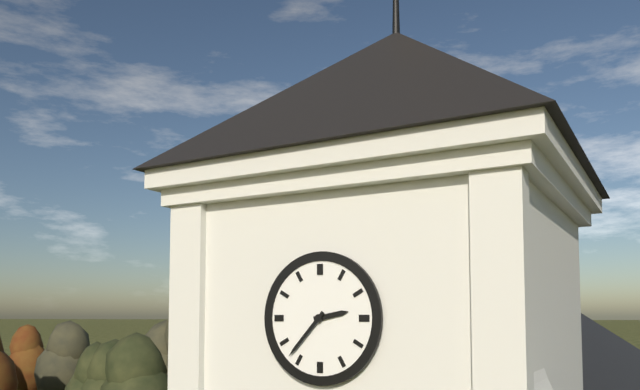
2:37
